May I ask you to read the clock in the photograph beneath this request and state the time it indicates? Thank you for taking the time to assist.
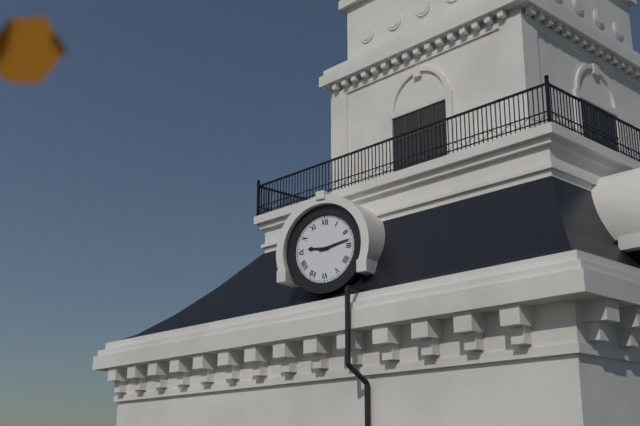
9:13
